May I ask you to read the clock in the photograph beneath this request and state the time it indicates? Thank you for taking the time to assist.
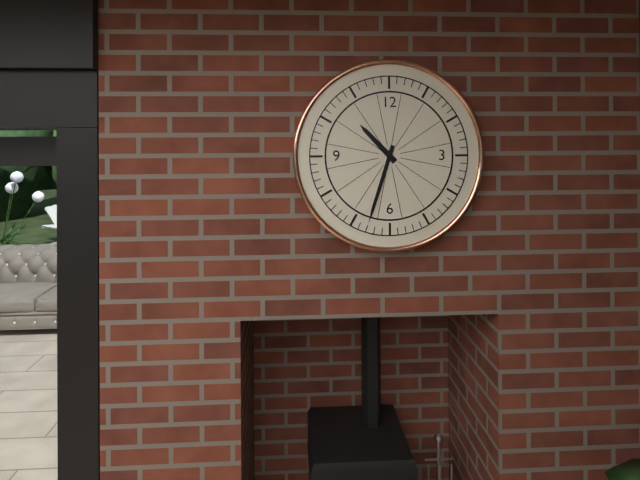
10:33
